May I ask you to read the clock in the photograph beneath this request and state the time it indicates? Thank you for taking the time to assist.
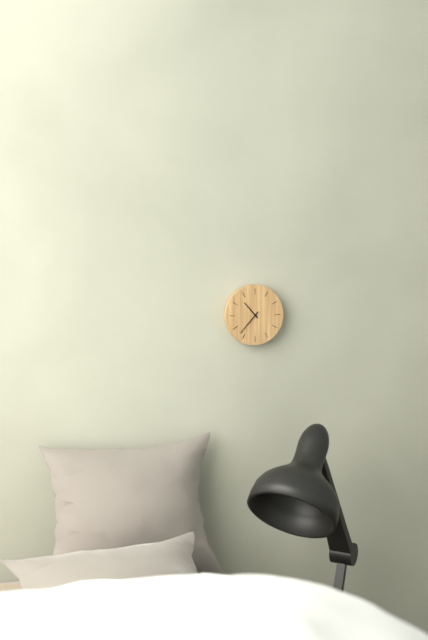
10:37
